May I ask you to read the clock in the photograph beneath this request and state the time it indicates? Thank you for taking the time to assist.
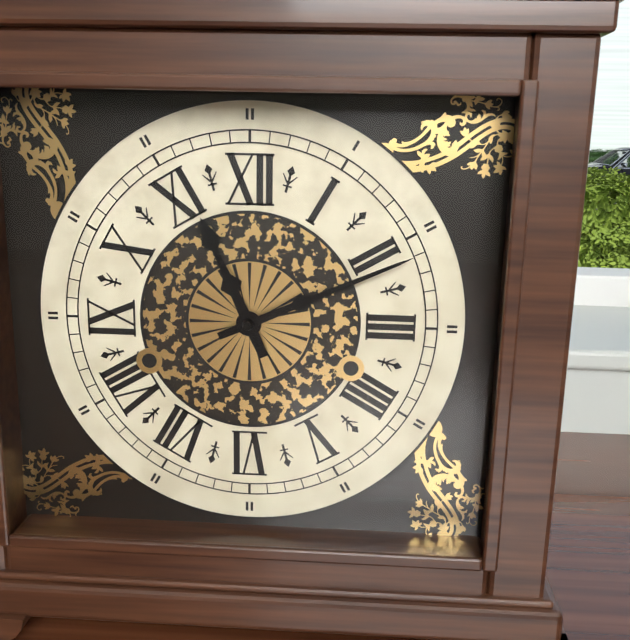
11:11
